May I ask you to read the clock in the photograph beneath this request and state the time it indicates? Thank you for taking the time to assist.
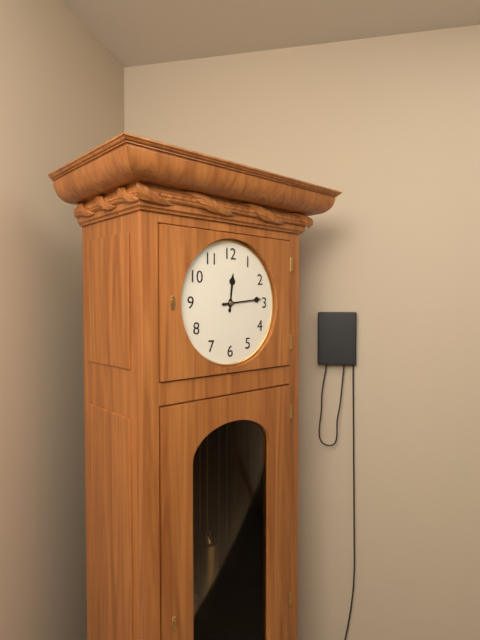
12:14
